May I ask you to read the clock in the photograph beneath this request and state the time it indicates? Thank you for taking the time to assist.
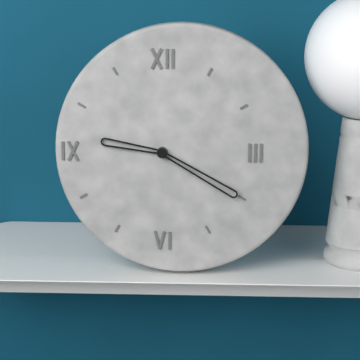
9:20
